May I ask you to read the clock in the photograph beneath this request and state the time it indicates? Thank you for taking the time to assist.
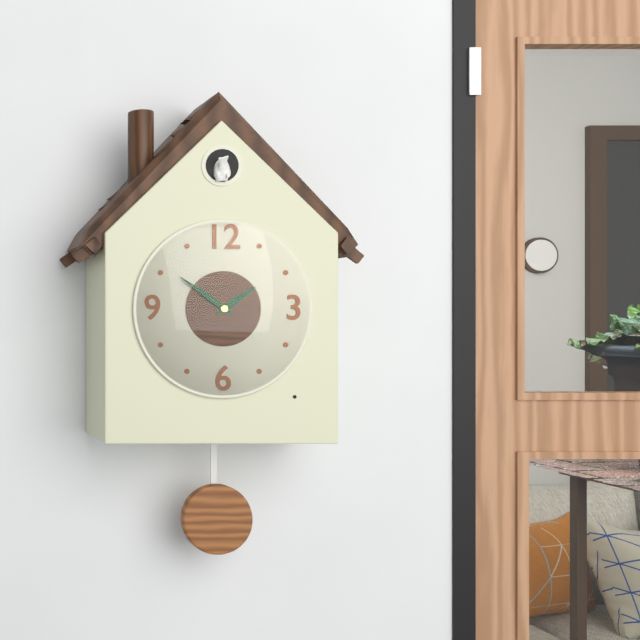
1:51
